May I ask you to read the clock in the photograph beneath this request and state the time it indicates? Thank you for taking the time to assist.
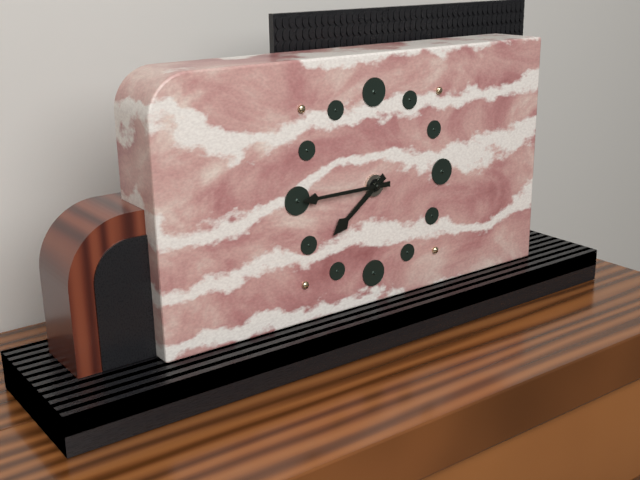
7:45
